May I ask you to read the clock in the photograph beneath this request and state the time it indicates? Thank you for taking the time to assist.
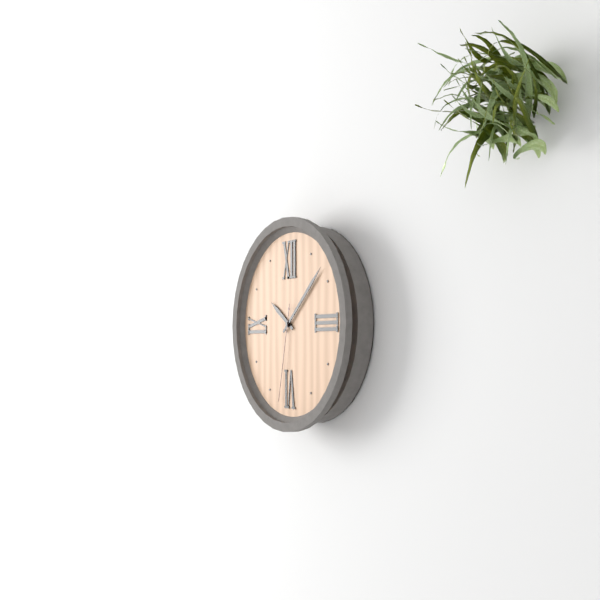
10:08:32
